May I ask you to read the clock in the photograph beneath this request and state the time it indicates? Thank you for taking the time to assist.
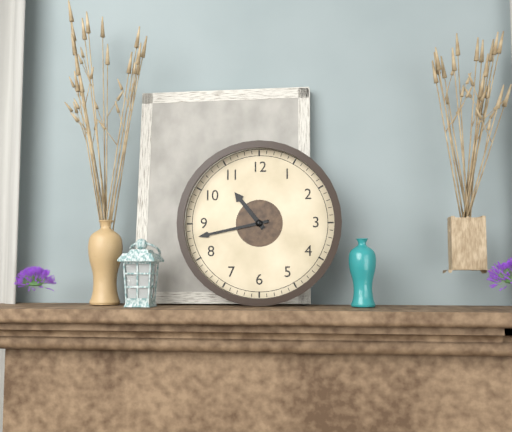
10:43
